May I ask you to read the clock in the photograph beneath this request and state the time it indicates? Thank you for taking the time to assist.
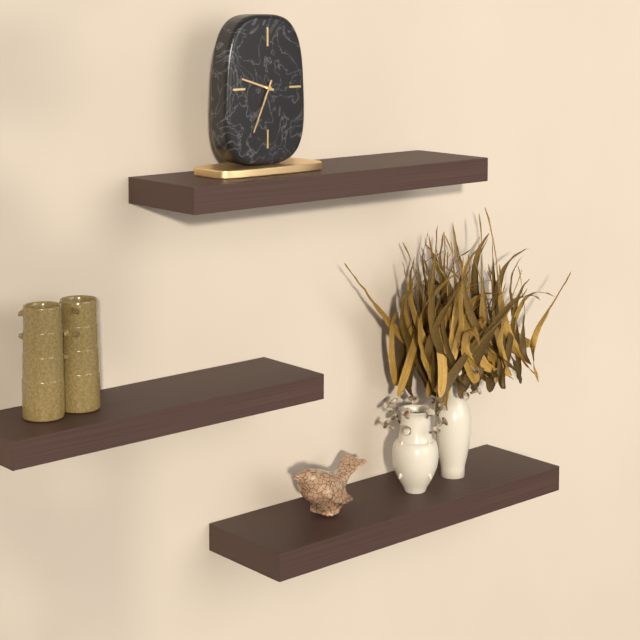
9:34
